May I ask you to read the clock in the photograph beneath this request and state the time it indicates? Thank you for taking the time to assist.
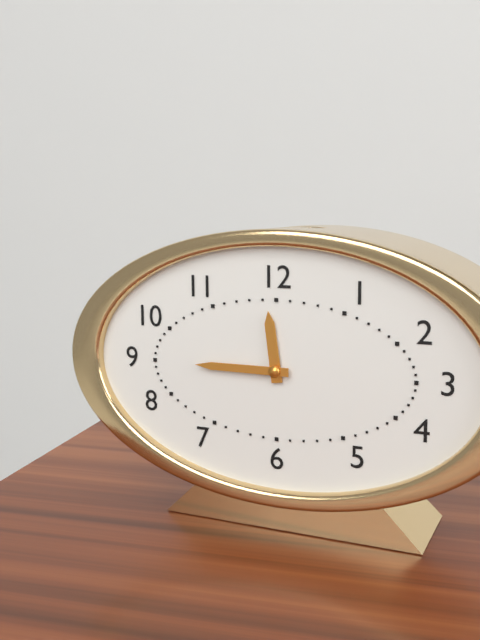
11:45
